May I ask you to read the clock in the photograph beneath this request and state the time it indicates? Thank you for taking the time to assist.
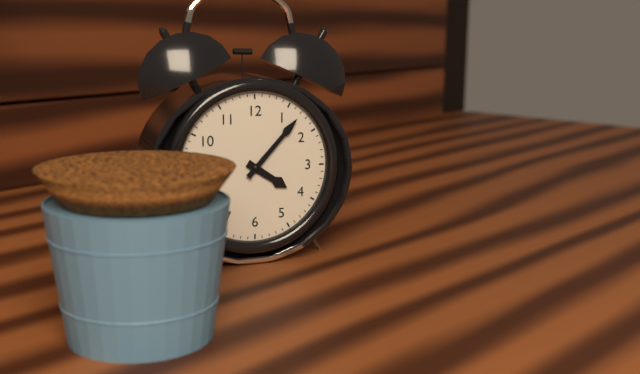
4:07
